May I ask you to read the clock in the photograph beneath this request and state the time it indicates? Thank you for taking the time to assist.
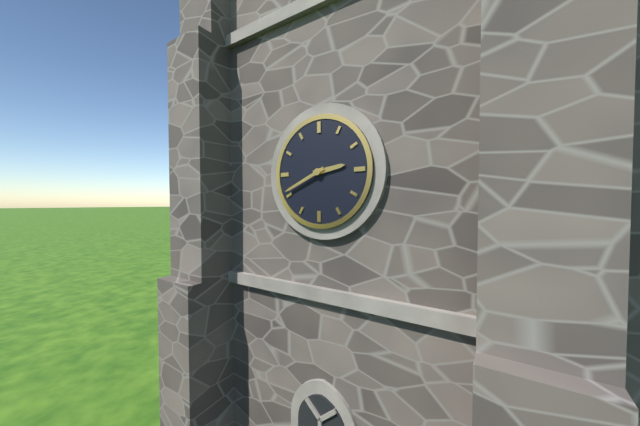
2:41
